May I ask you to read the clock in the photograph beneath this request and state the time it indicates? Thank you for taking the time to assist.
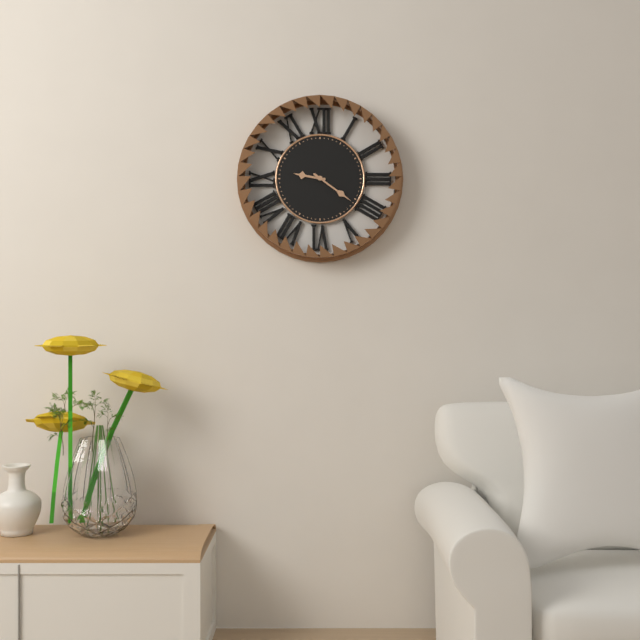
9:21
